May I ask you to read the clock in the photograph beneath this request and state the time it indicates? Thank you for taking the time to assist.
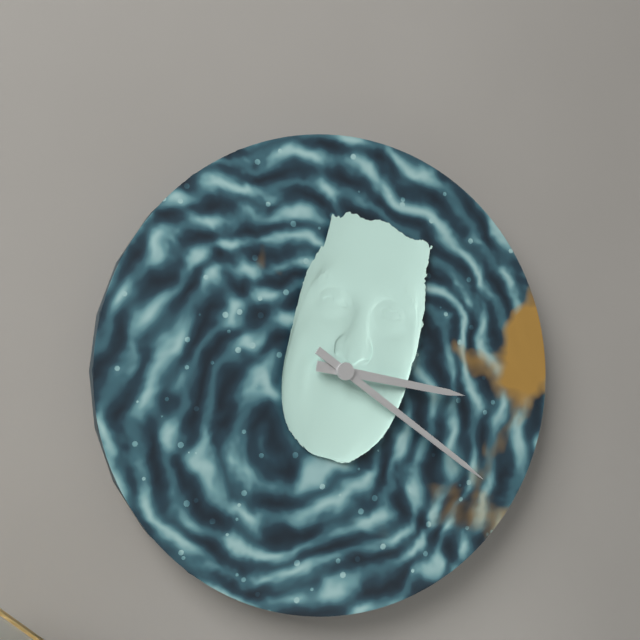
3:21
